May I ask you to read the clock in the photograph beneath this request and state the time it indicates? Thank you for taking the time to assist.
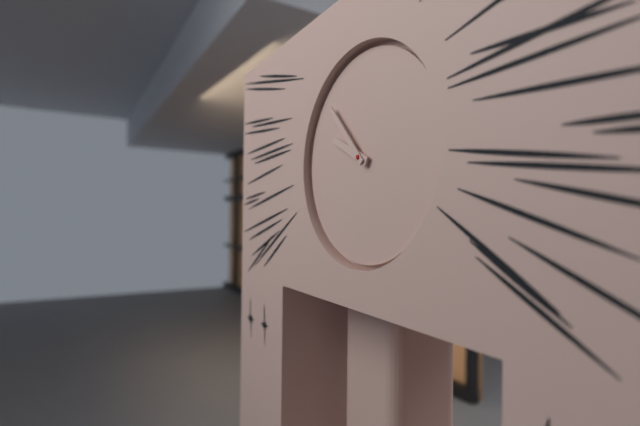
9:53
